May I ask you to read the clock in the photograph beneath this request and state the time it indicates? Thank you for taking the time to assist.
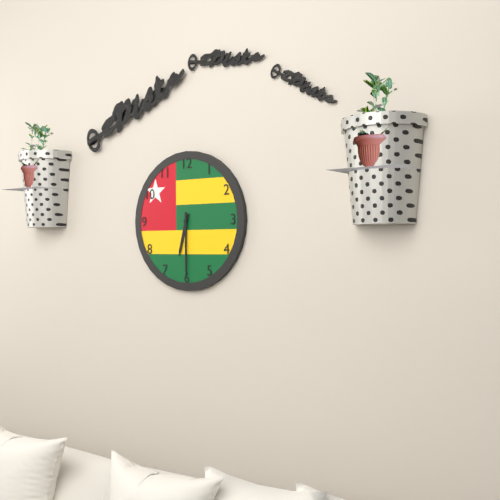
6:30
